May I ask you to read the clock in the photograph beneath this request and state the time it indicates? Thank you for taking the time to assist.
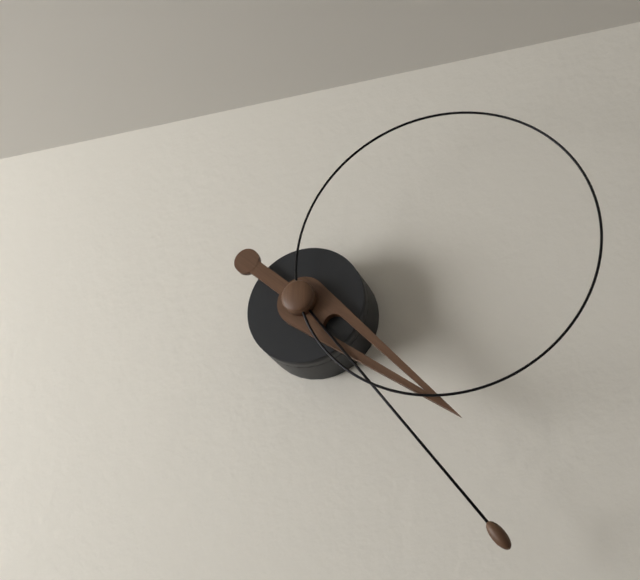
4:24:13
